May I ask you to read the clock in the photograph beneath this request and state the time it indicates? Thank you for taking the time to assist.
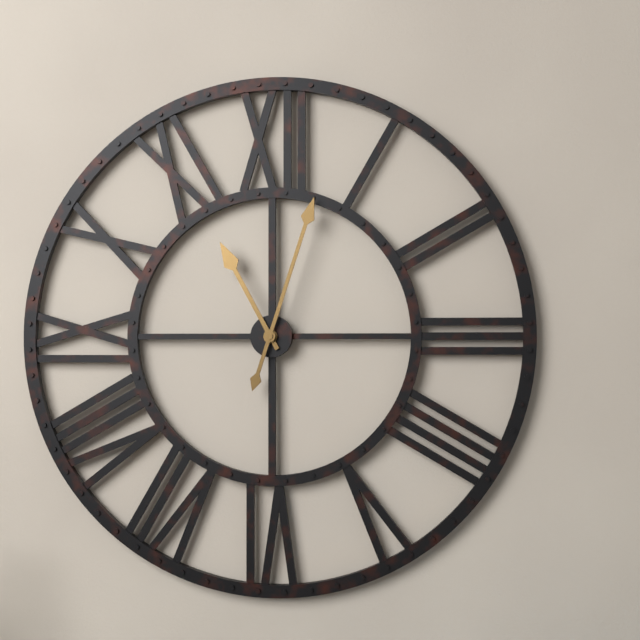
11:03
